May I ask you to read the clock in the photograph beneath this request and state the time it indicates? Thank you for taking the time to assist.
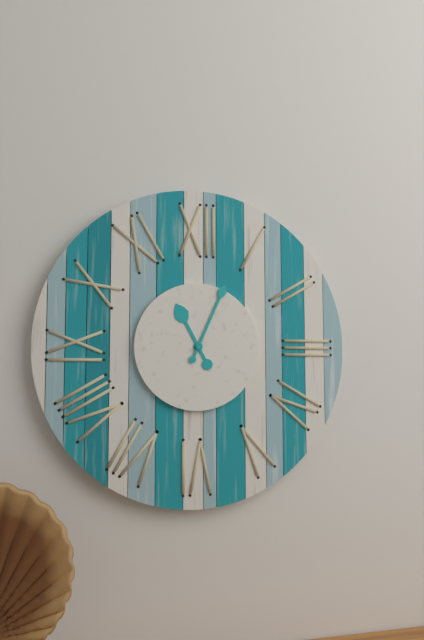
11:04
